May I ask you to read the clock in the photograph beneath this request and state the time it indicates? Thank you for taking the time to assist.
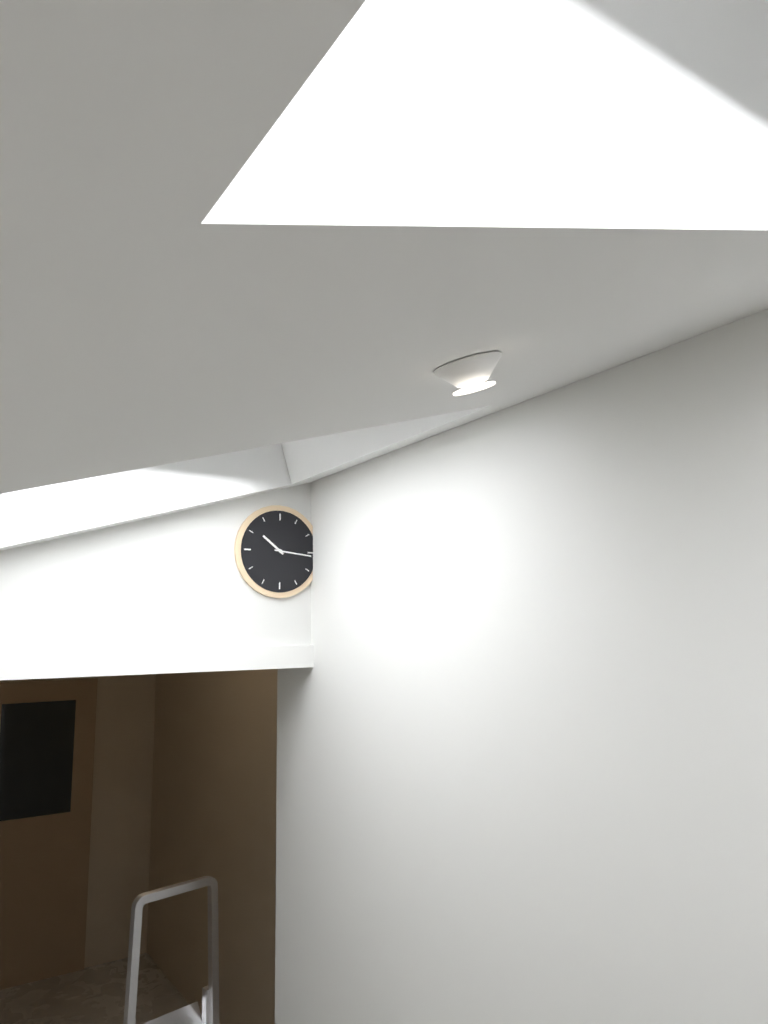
10:16
